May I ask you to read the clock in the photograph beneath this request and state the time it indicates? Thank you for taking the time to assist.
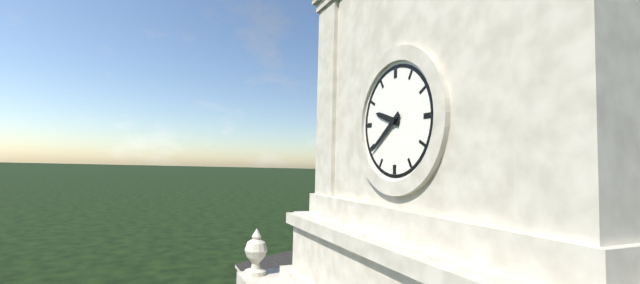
9:39
